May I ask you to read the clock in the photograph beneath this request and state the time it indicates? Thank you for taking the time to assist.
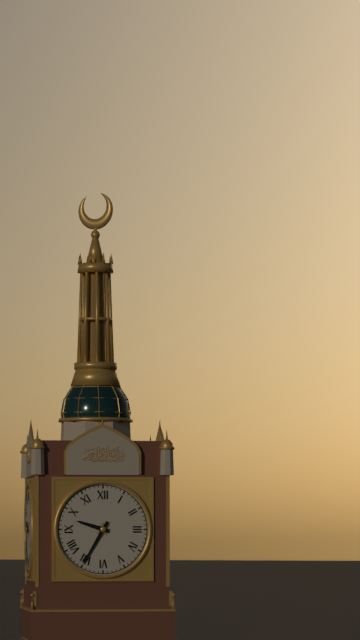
9:35
